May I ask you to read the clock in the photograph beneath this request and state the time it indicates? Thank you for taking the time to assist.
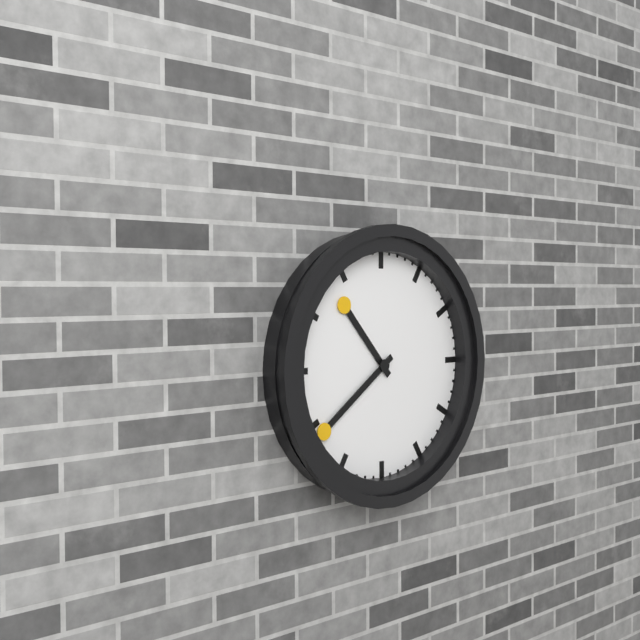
10:39
